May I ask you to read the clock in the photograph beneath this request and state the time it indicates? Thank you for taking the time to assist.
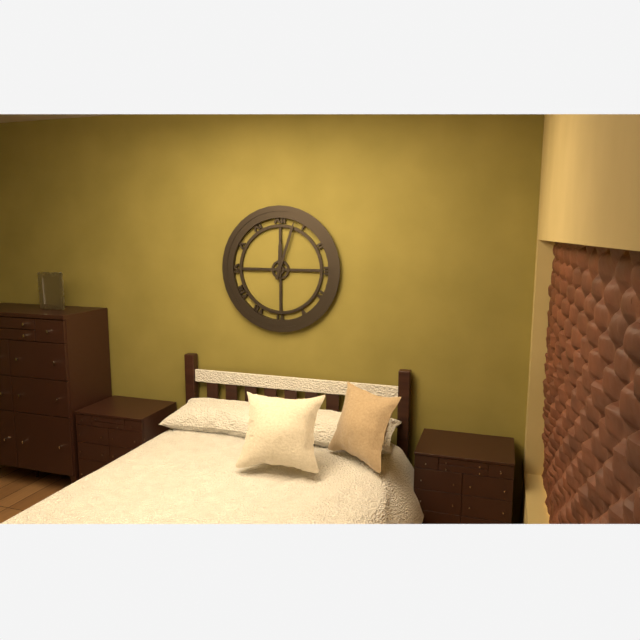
12:03
